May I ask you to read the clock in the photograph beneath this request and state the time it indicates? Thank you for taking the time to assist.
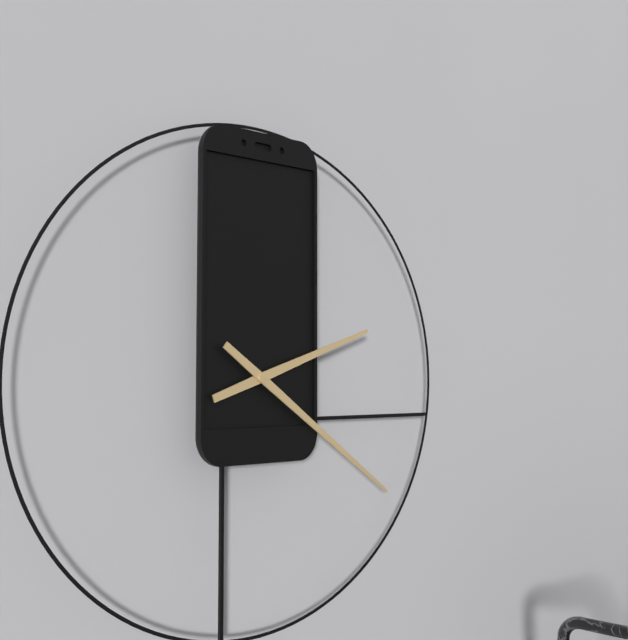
2:21
